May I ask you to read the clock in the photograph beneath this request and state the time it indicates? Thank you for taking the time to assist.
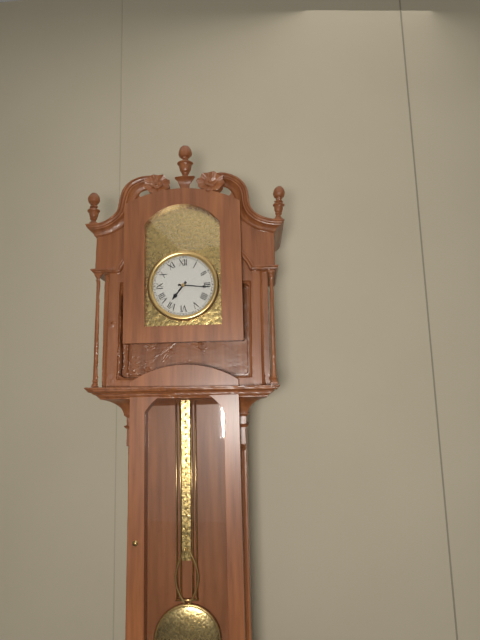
7:16
